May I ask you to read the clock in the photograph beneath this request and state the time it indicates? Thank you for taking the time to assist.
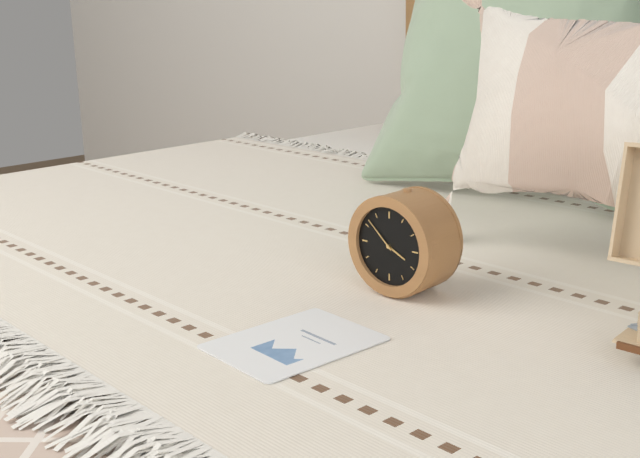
3:52
